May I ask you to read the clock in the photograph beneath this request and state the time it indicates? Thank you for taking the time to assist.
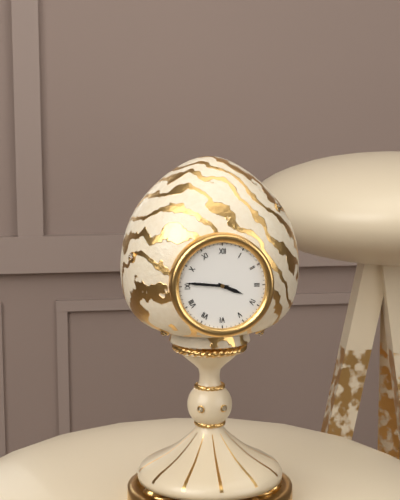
3:46
